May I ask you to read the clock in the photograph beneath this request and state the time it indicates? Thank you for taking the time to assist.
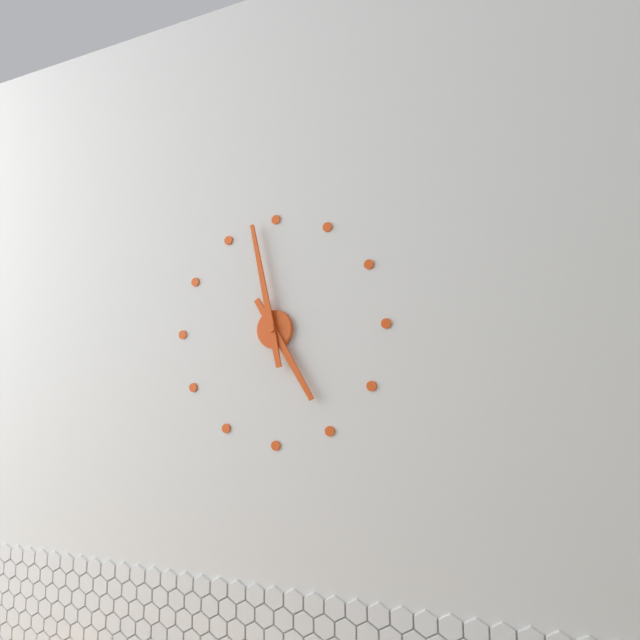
4:58
